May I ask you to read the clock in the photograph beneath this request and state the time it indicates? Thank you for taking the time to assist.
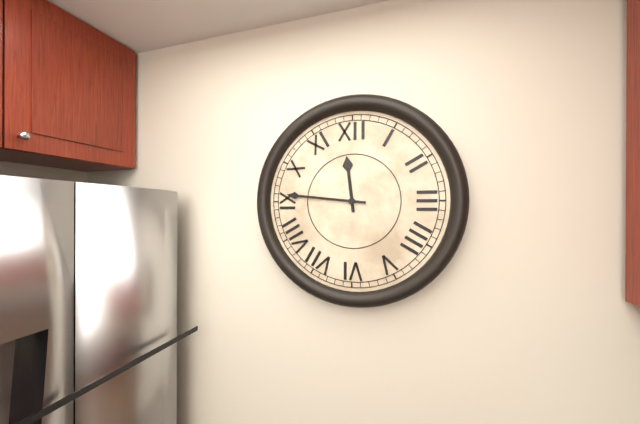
11:46
